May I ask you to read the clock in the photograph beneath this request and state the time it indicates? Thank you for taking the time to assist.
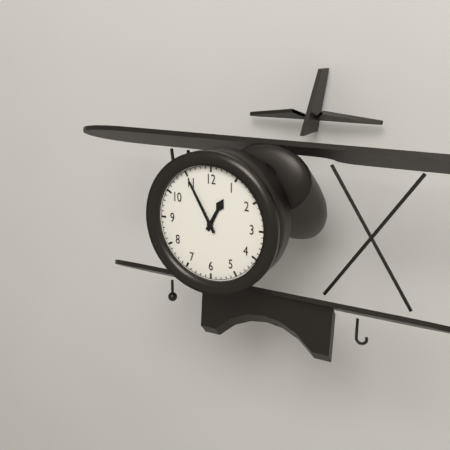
12:55
